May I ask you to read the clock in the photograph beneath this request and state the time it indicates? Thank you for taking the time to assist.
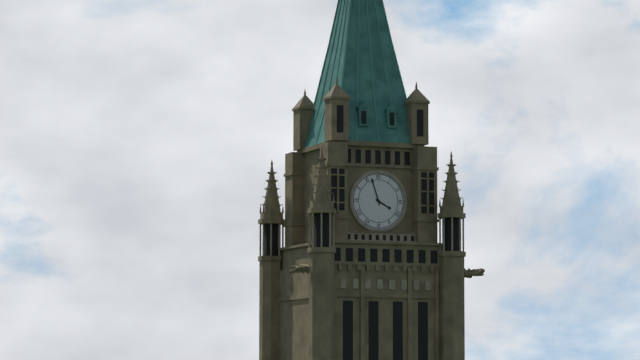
3:57
